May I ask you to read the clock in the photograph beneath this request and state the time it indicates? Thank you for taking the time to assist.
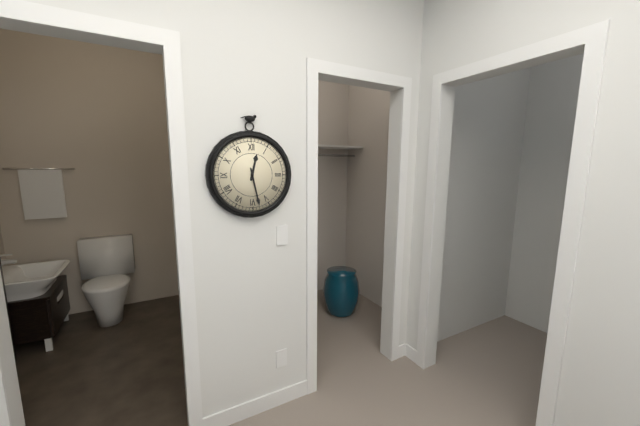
12:28
